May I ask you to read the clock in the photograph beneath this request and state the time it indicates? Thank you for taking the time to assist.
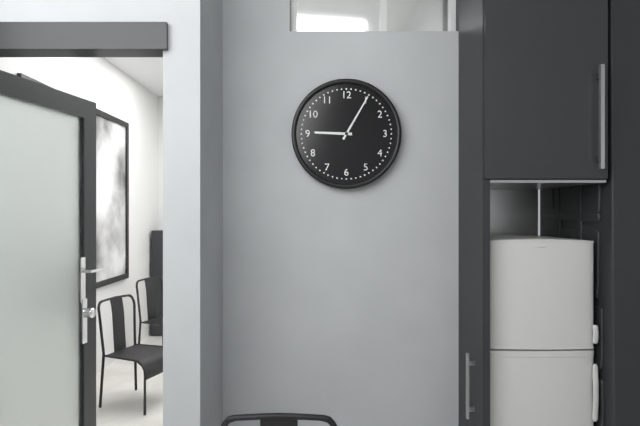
9:05
